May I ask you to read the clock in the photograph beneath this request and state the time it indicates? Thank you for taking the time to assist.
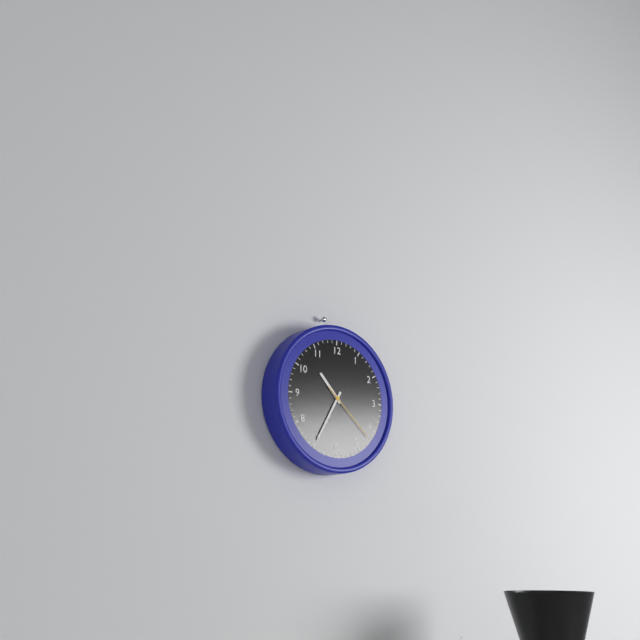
10:35:22
